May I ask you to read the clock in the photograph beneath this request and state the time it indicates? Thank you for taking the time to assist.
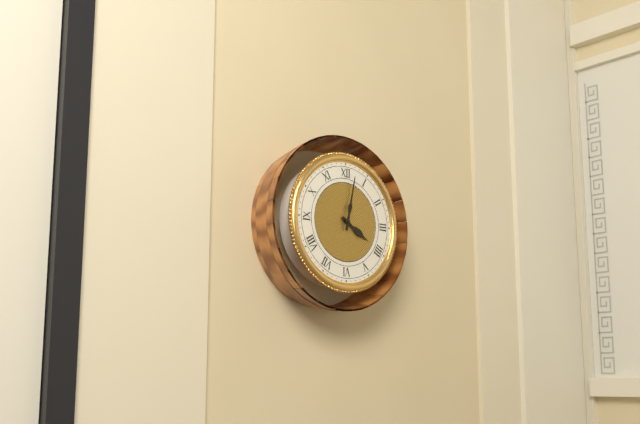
4:02
